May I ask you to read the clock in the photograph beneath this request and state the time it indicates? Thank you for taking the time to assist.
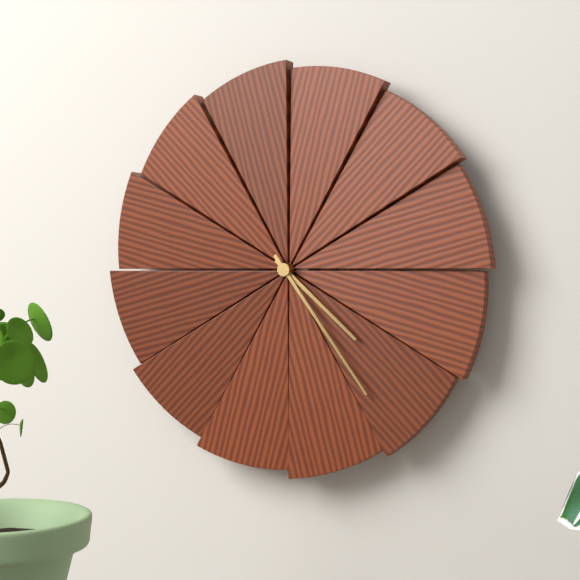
4:24
